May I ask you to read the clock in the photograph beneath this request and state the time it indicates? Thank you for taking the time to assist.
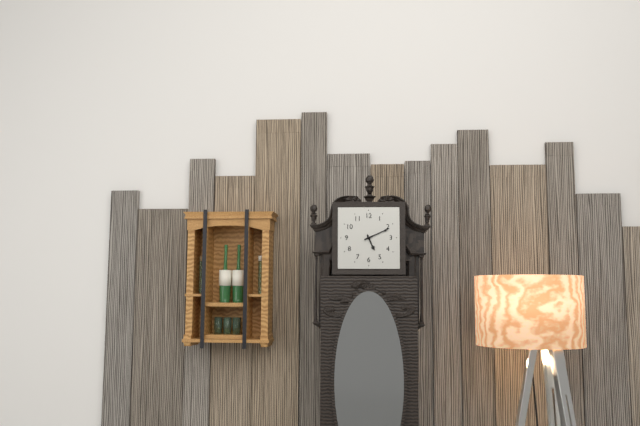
5:11
